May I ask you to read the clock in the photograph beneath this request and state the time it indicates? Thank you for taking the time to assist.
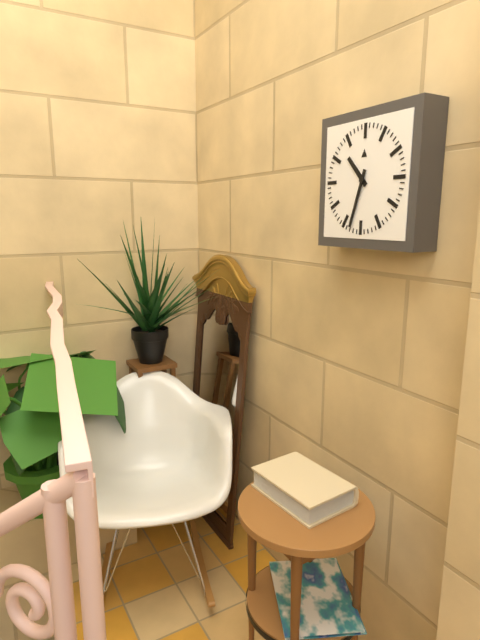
10:33
